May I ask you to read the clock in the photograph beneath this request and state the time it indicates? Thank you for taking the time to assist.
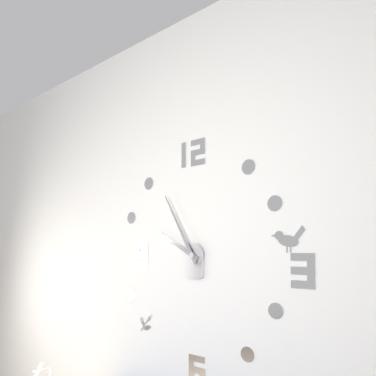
9:55
